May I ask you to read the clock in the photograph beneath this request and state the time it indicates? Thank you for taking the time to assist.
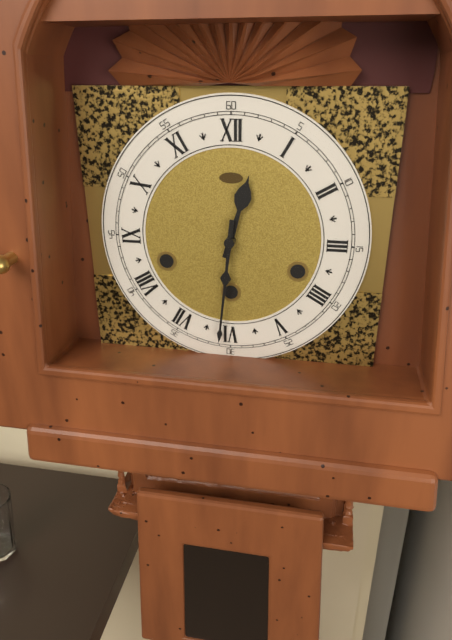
12:31
